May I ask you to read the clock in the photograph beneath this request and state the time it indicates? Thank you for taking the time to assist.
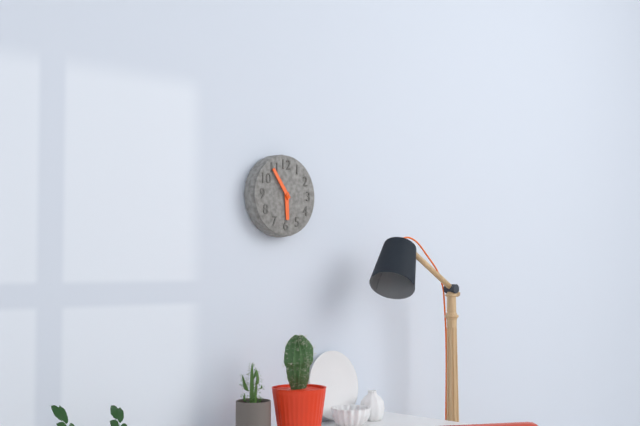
5:54
